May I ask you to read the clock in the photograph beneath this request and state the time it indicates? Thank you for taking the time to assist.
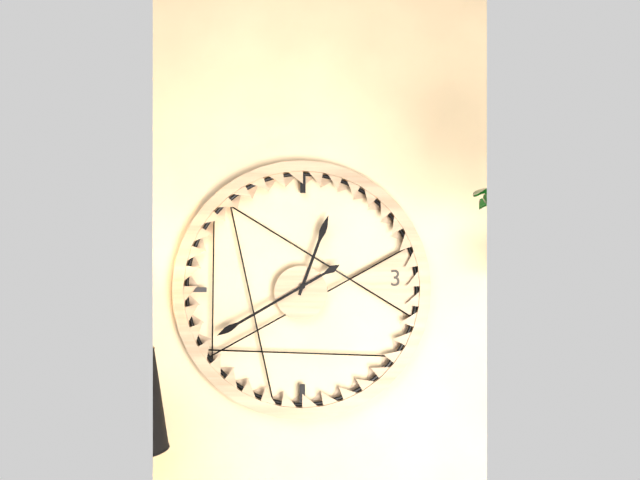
12:40
